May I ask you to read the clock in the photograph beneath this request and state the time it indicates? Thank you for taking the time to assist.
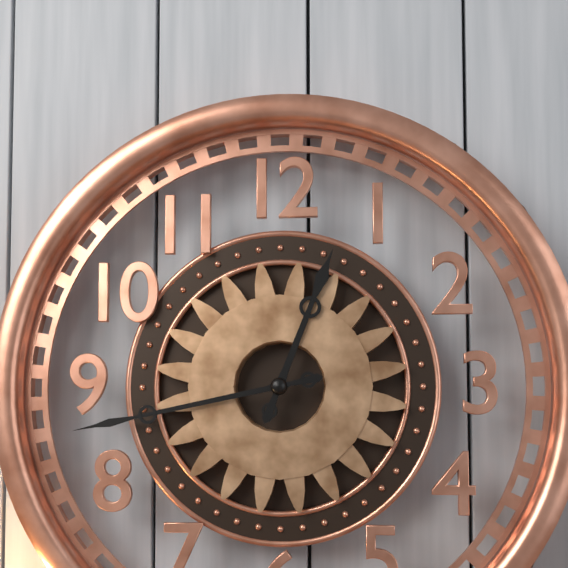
12:43
